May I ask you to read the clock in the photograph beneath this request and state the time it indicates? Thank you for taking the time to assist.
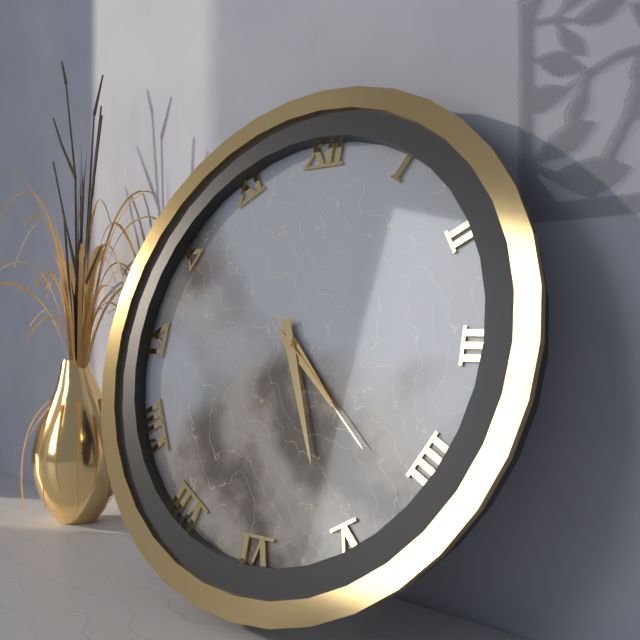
4:26:22
